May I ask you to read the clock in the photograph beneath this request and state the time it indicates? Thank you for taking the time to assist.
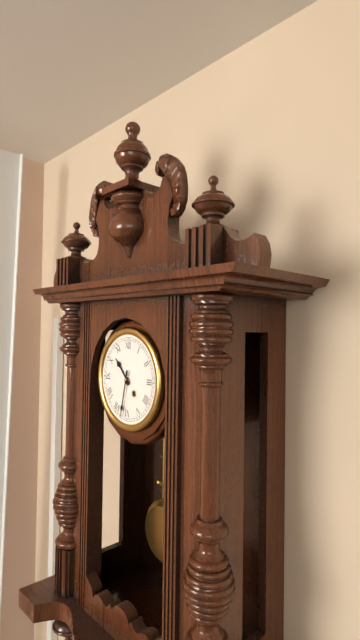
10:32
